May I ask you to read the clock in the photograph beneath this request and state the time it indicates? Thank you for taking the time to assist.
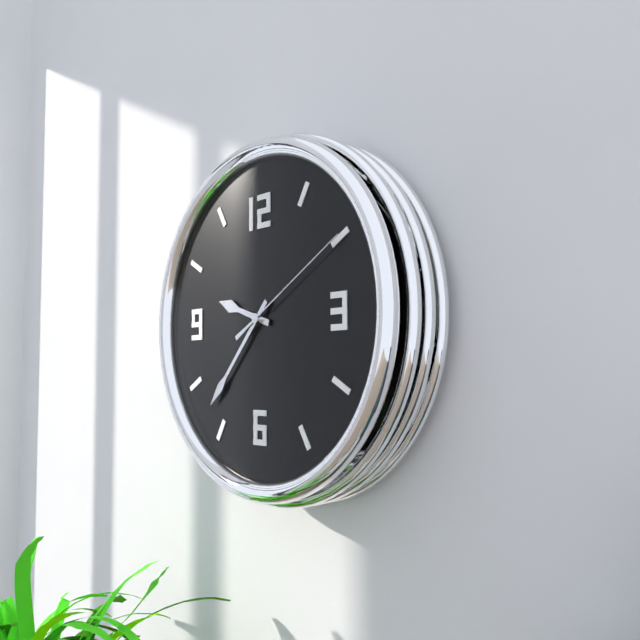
9:37:10
